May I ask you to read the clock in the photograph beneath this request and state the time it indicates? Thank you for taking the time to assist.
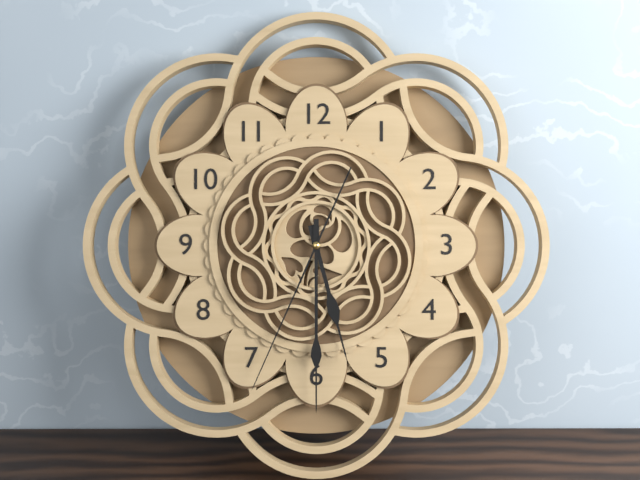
5:30:34
